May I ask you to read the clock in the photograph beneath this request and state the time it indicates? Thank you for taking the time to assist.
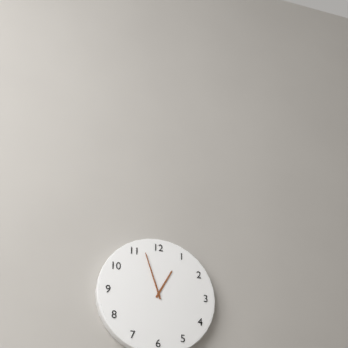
12:57
